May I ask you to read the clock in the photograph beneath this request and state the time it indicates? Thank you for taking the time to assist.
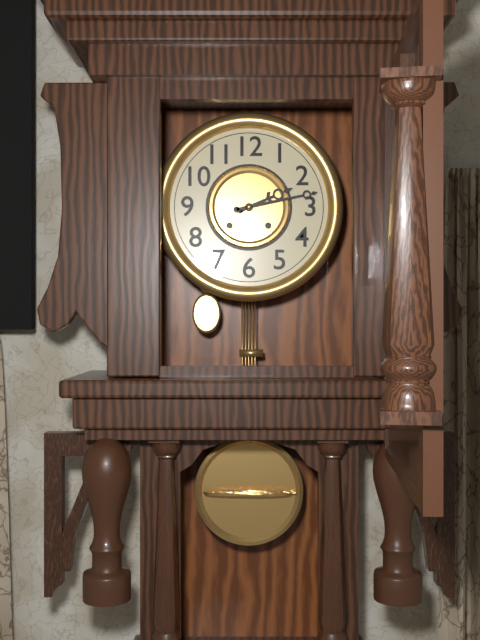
2:13
